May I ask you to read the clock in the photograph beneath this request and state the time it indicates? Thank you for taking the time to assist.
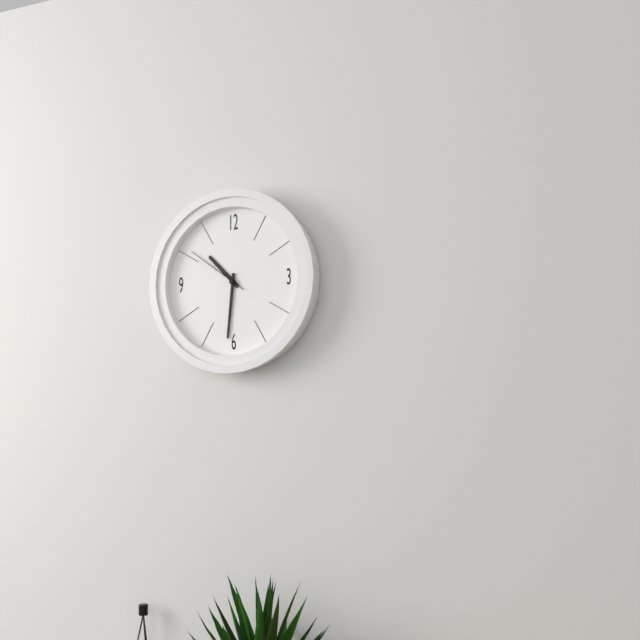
10:31:51
